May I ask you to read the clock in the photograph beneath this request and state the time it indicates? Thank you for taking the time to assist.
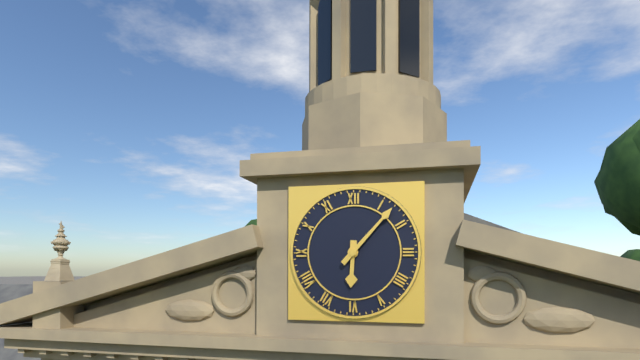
6:07
